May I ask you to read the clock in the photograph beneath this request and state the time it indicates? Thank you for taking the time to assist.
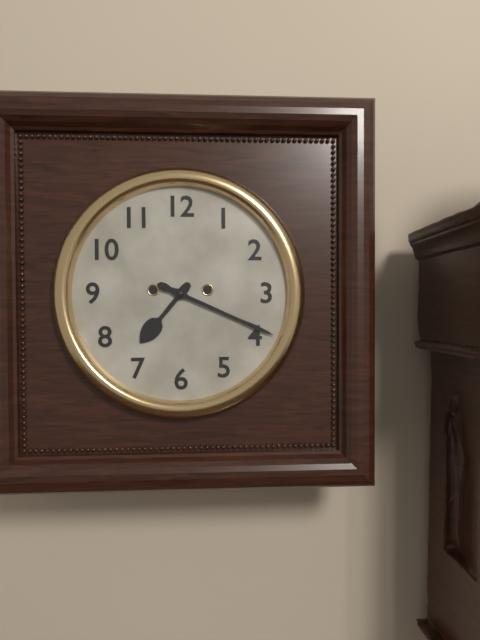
7:19
